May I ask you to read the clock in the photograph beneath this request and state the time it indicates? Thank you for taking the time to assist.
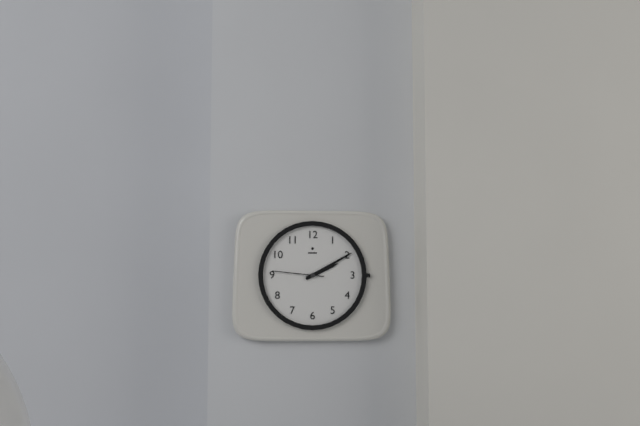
2:10:46
